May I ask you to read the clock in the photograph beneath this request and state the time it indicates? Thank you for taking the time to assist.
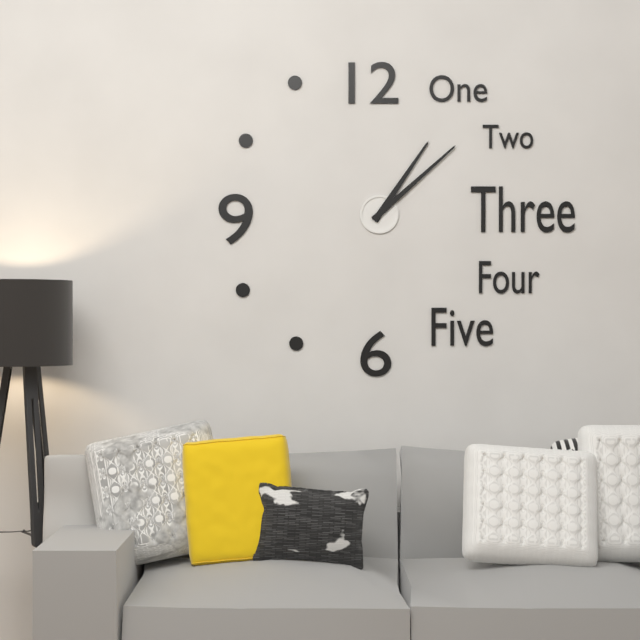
1:08
